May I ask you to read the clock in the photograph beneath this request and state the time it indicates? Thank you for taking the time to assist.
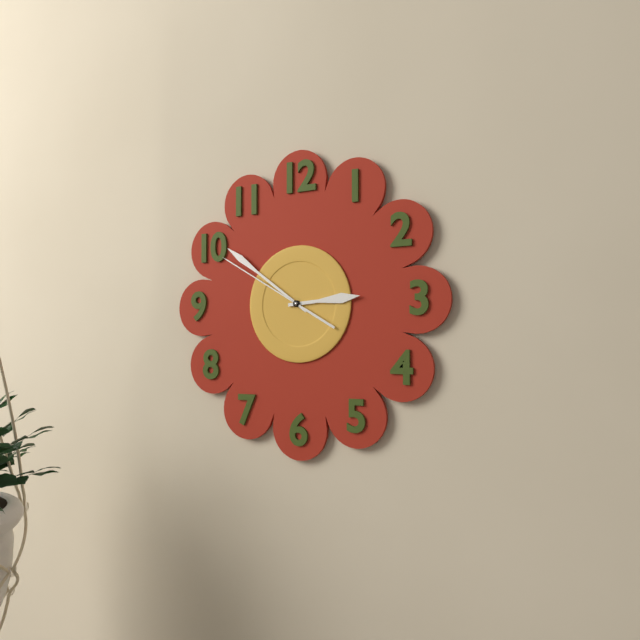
2:51:50
